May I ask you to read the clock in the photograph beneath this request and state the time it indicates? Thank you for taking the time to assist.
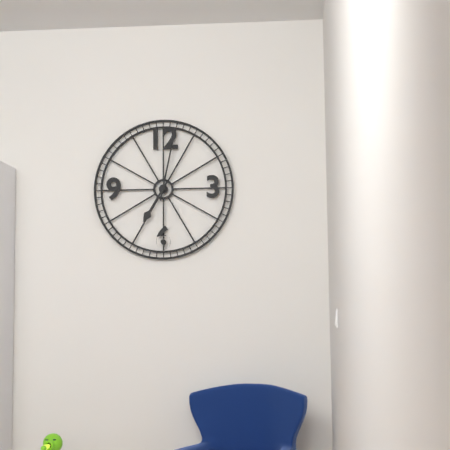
7:02
